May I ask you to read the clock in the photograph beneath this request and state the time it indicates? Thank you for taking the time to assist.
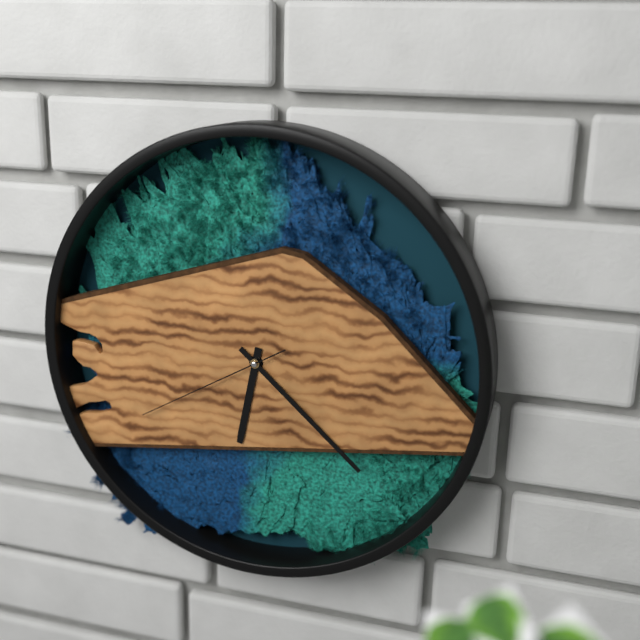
6:22:40
